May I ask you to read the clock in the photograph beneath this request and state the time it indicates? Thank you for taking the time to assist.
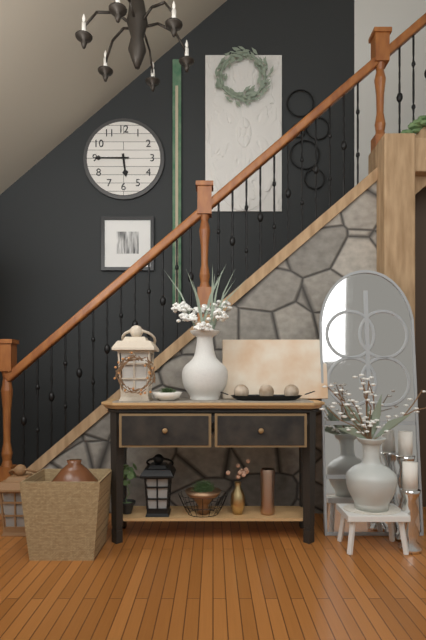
5:45
